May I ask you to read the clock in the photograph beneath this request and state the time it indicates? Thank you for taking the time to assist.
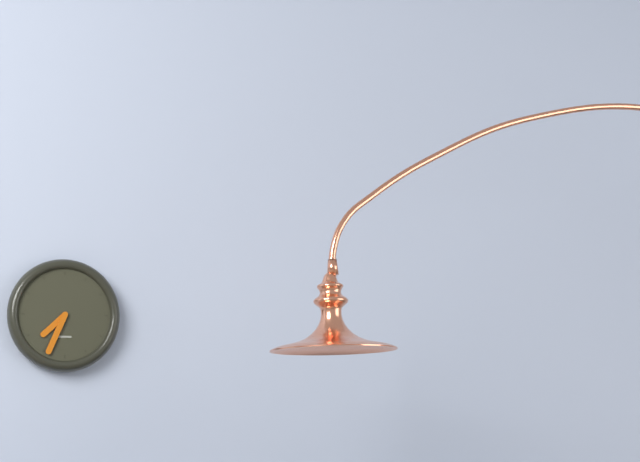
7:34
